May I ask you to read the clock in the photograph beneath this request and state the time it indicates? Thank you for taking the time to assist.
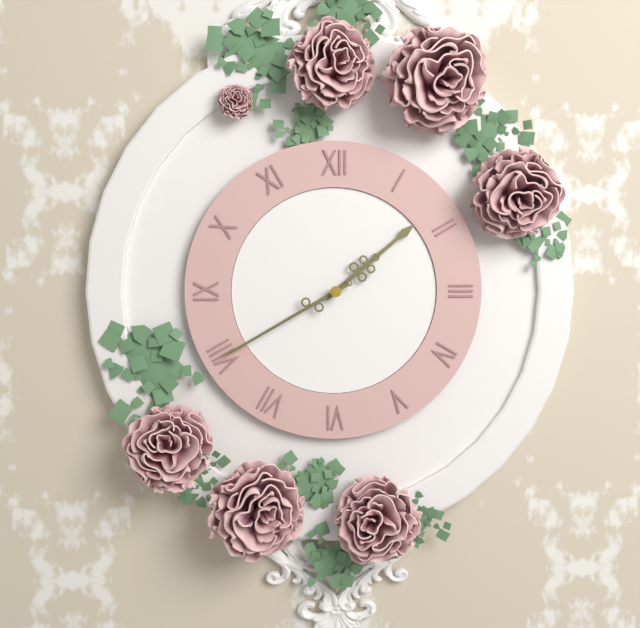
1:40
